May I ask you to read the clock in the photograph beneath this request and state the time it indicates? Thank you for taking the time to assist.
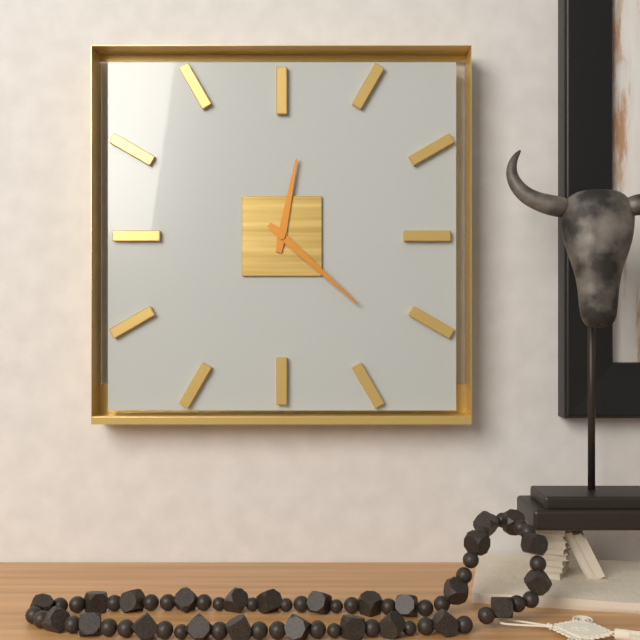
12:22
